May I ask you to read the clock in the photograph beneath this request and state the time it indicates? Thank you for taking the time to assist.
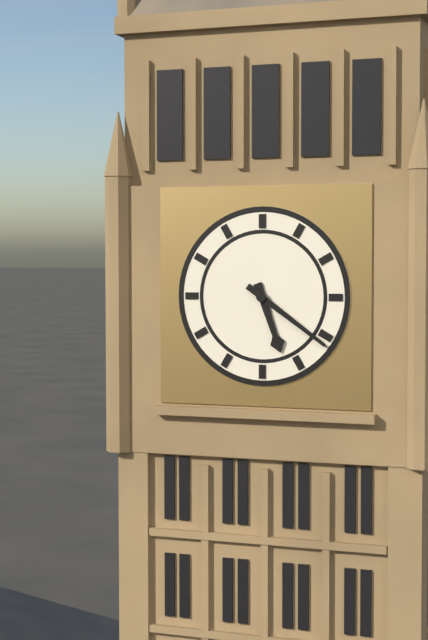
5:21
